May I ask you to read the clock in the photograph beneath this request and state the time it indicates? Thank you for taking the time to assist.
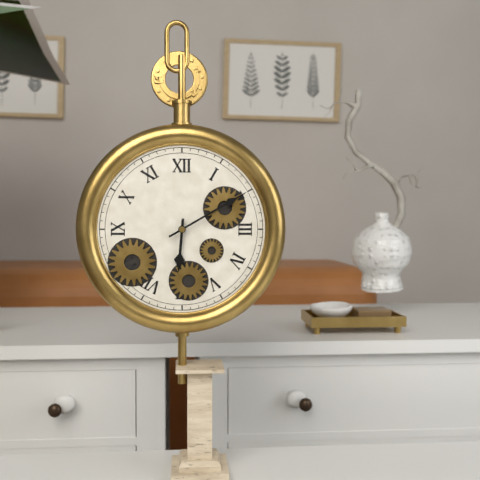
6:10
